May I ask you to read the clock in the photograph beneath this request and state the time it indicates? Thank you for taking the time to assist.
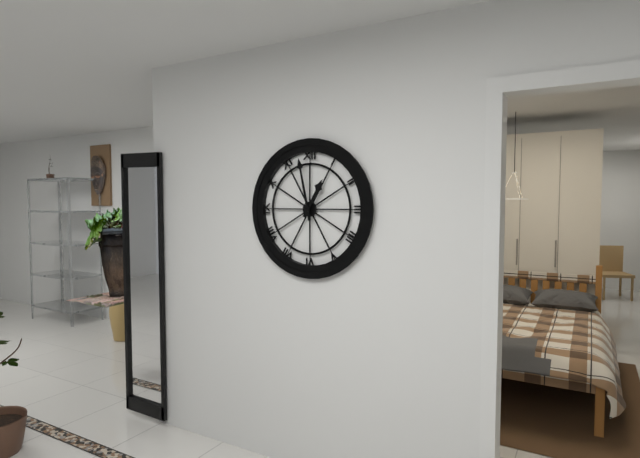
12:58
